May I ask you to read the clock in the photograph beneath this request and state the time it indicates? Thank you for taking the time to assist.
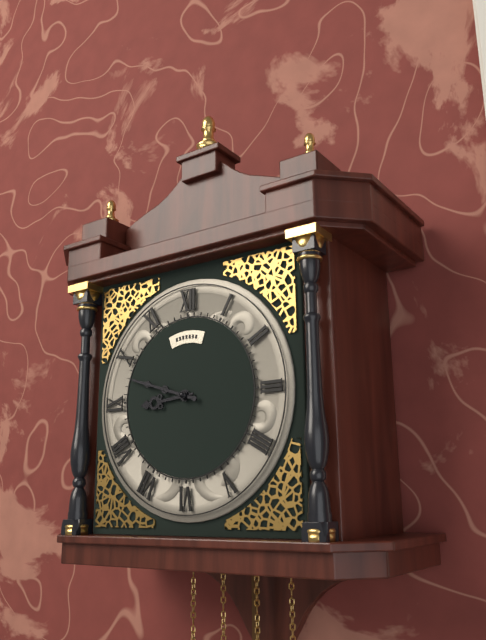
8:48
